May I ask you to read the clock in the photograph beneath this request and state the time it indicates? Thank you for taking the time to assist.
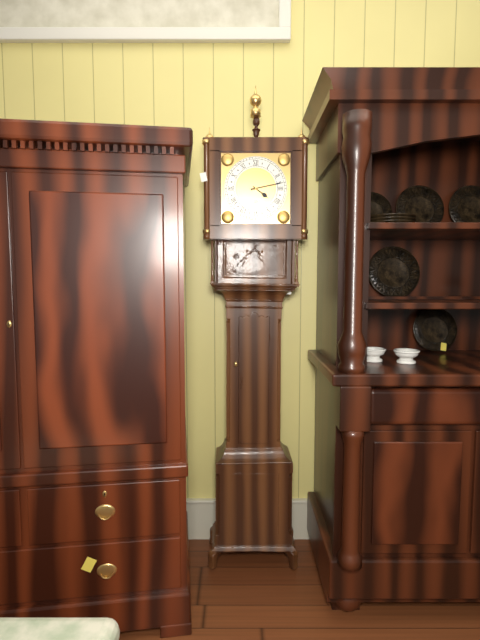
4:13
